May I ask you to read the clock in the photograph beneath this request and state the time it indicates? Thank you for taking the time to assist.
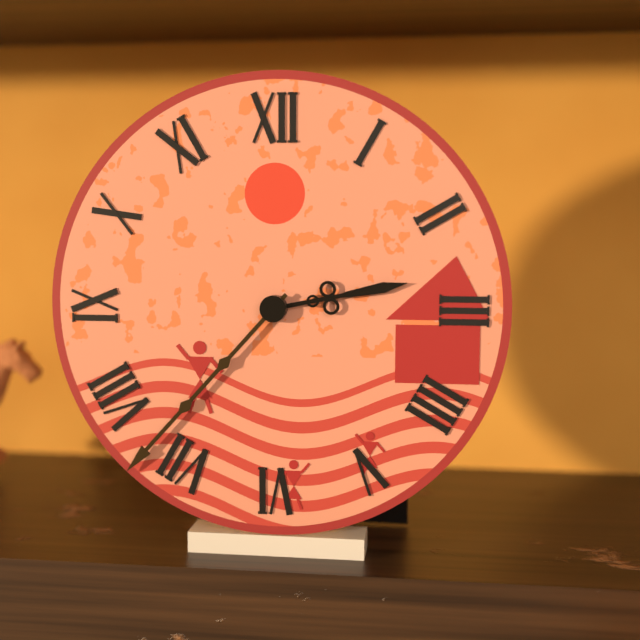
2:37
